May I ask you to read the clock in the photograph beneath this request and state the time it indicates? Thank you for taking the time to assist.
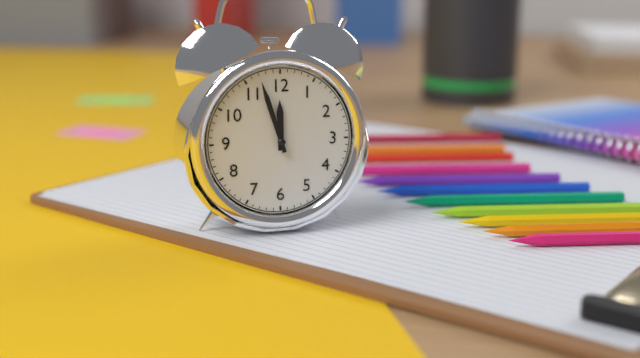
11:57
